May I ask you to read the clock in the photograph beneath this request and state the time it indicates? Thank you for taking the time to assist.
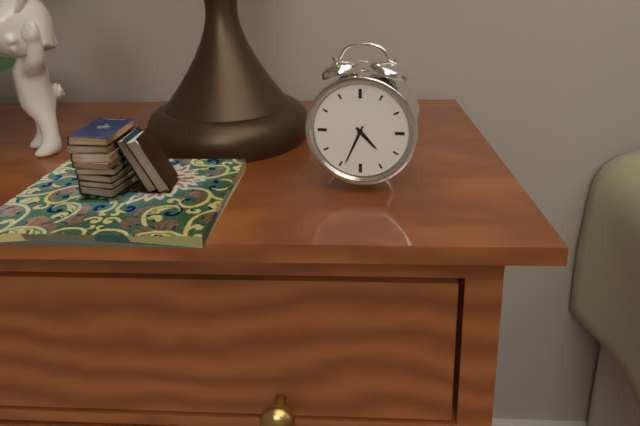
4:34
